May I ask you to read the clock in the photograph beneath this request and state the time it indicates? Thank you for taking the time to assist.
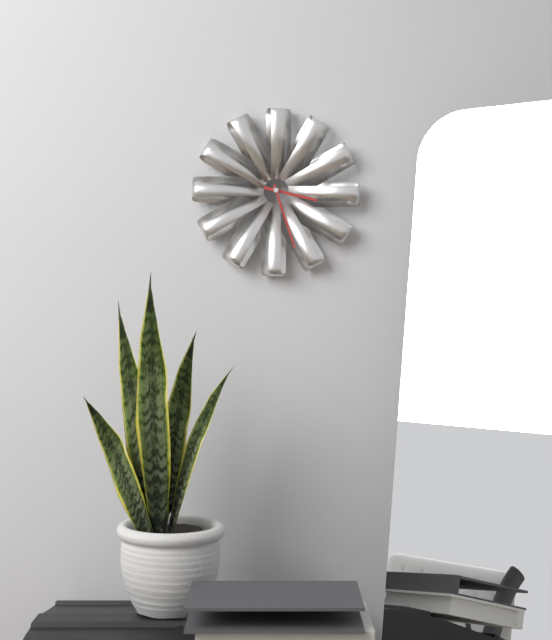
3:27
